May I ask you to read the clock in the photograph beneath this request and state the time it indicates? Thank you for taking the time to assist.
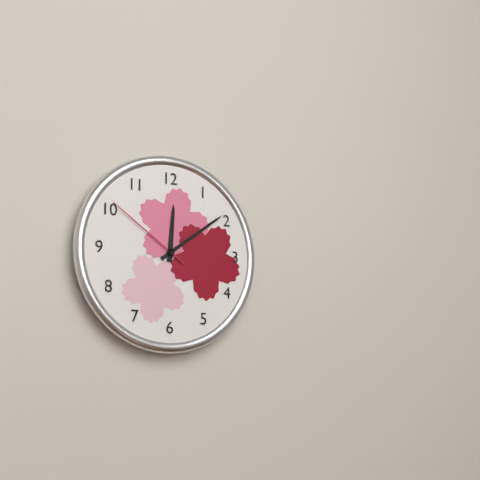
12:09:51
